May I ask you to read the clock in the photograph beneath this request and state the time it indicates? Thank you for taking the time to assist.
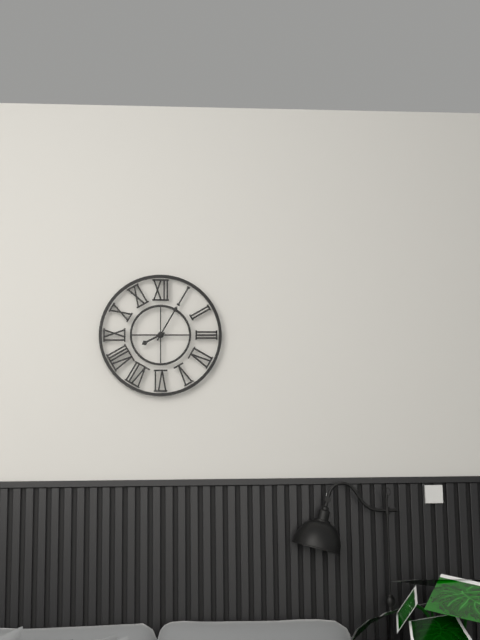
8:05
